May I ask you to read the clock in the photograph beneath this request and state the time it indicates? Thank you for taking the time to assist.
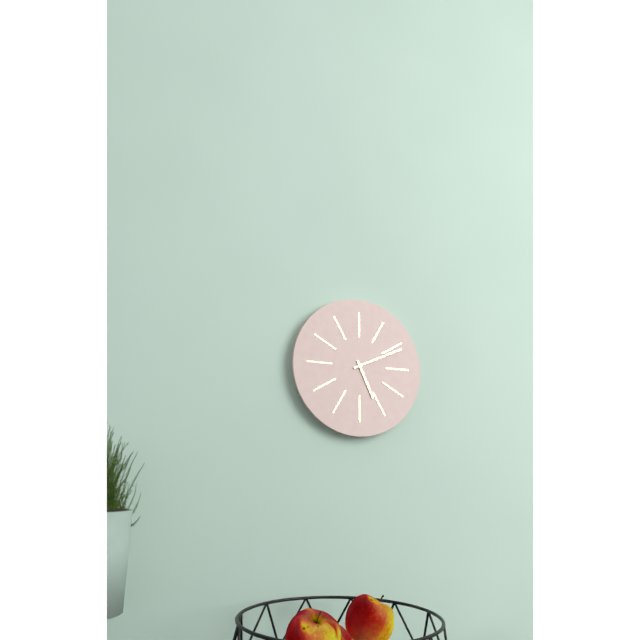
5:11
